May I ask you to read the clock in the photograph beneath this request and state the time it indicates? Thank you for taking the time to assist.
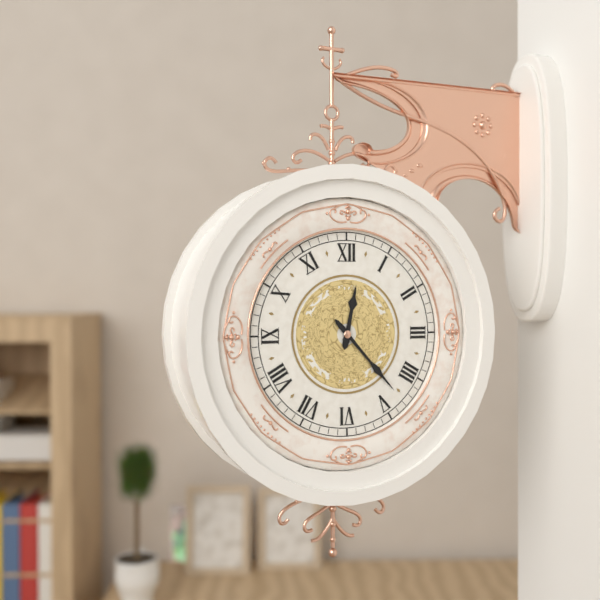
12:23
